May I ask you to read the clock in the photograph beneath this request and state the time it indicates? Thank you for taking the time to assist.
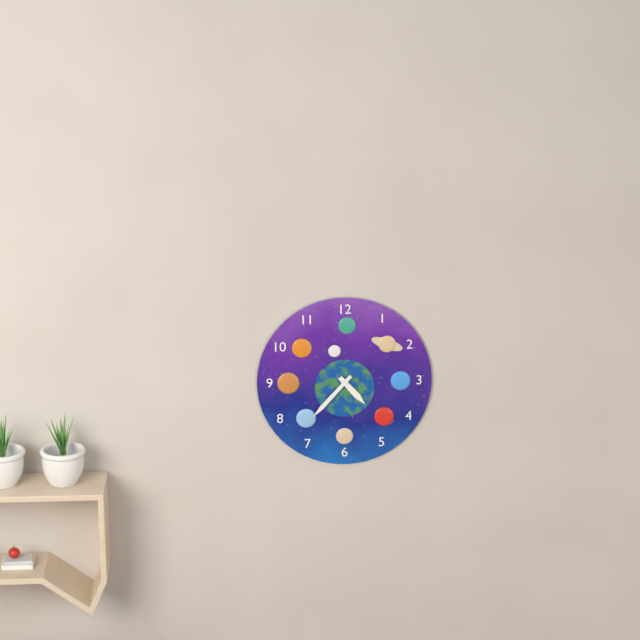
4:37
